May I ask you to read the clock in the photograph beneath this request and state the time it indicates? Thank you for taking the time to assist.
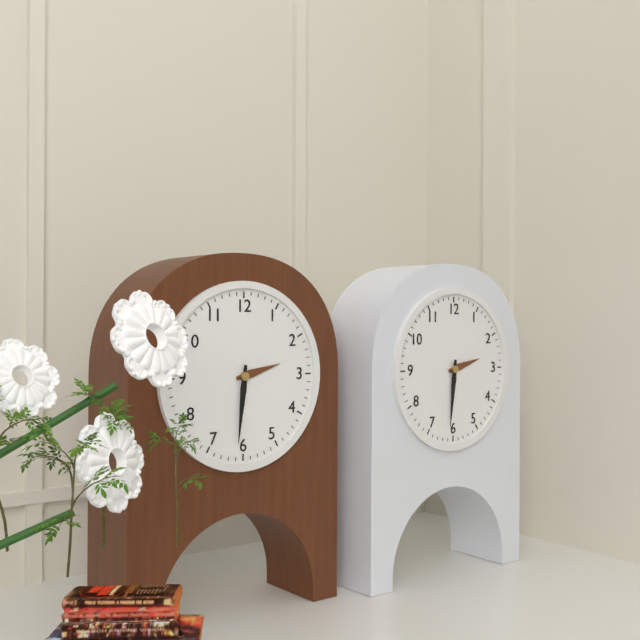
2:31
